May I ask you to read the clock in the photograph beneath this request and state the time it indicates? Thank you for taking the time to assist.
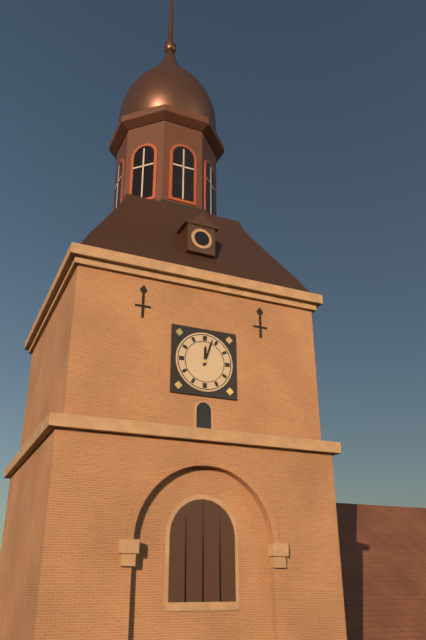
12:03
